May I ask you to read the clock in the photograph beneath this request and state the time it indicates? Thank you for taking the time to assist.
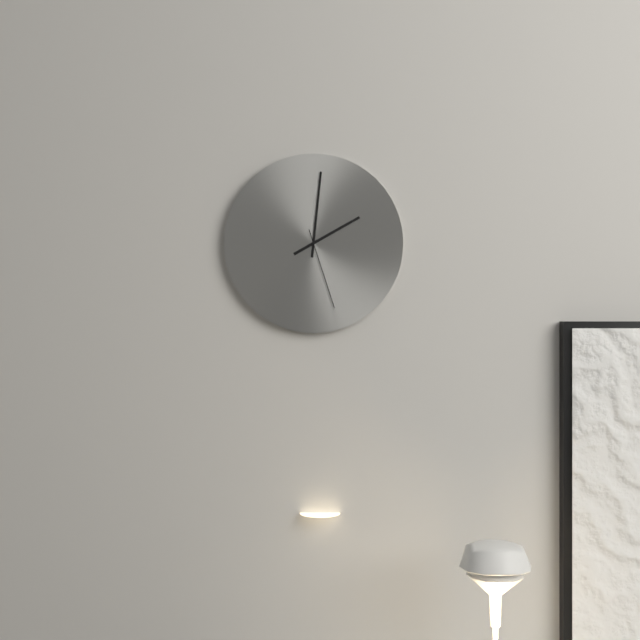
2:01:27
